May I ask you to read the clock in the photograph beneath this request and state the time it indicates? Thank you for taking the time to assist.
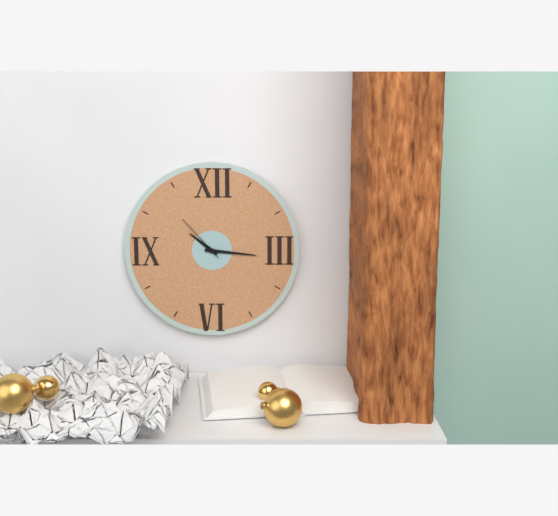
10:16:53
